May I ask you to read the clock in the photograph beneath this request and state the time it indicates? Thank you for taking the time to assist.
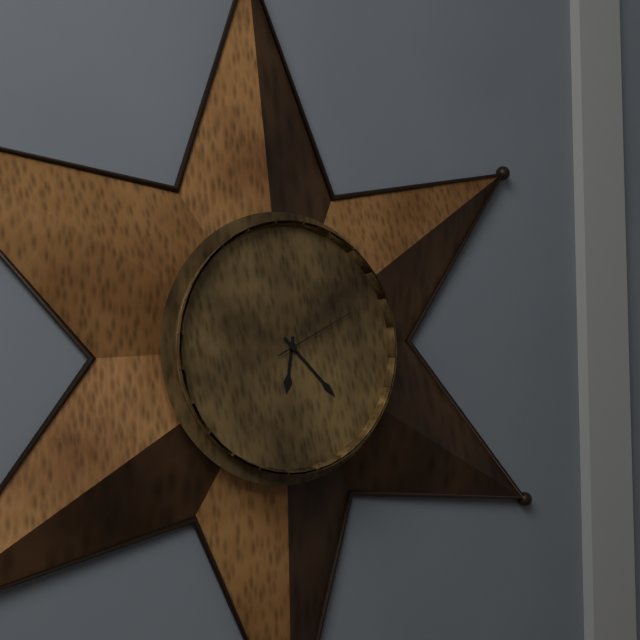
6:23:11
